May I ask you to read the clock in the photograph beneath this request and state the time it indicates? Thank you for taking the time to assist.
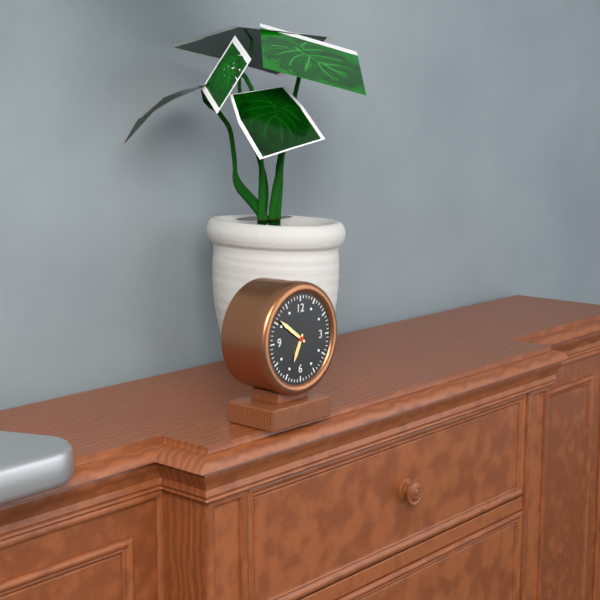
6:51
